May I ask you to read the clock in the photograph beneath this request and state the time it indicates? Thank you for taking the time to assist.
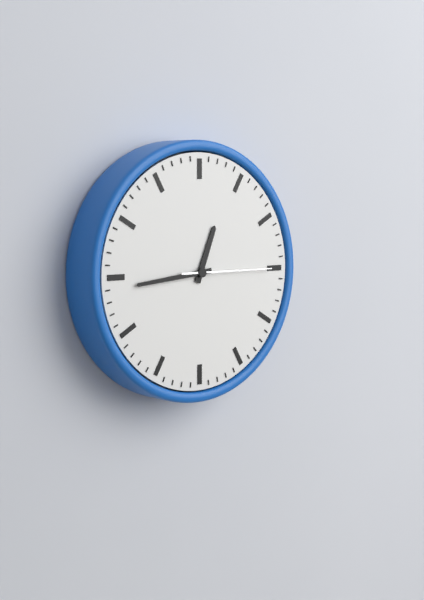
12:44:15
